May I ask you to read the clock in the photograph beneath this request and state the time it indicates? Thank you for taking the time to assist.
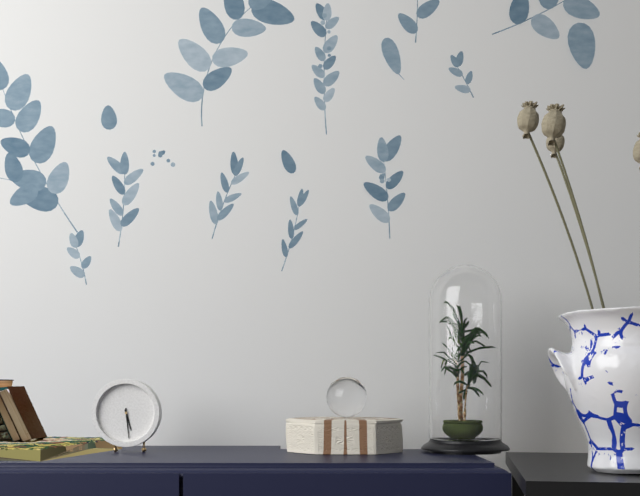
5:29
